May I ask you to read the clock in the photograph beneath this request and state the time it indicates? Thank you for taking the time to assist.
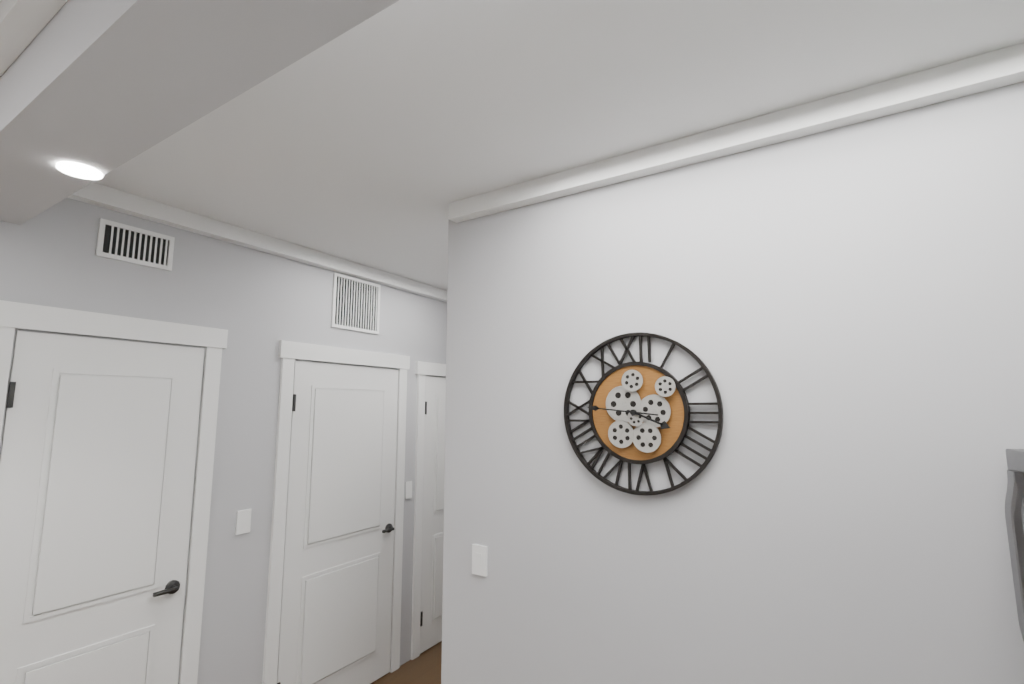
3:46
